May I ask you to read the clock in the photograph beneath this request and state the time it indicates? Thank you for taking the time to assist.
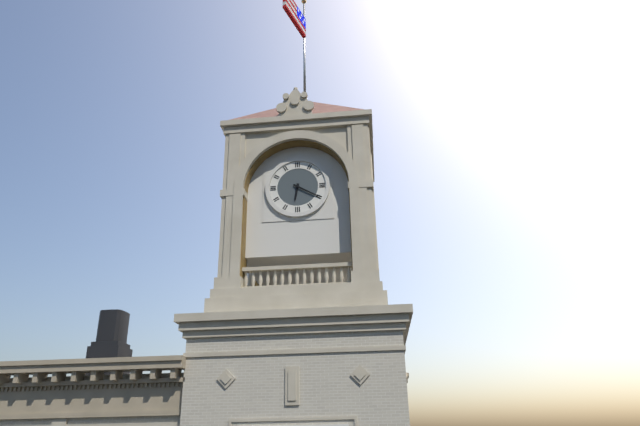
6:20
